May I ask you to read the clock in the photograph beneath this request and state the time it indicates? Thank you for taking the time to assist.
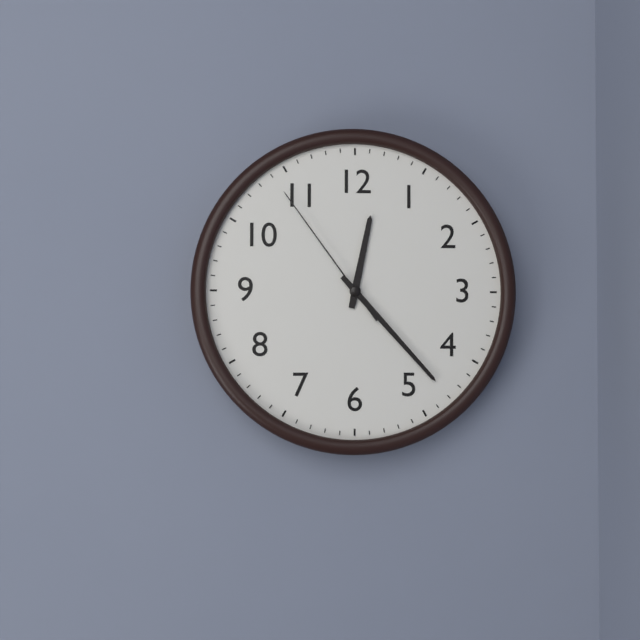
12:23:54
